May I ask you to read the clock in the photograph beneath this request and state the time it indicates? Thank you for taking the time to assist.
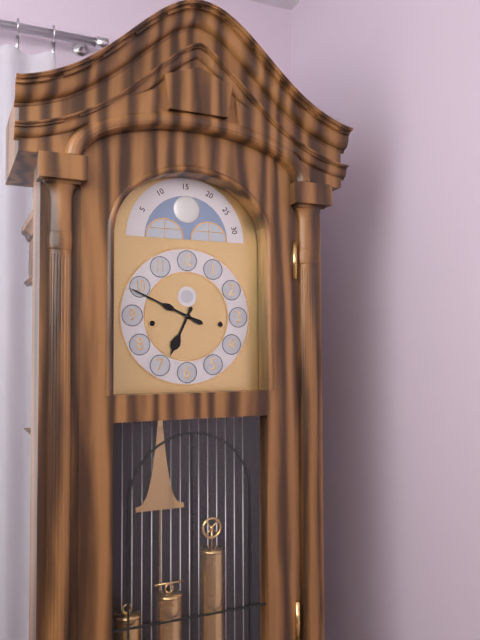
6:49
